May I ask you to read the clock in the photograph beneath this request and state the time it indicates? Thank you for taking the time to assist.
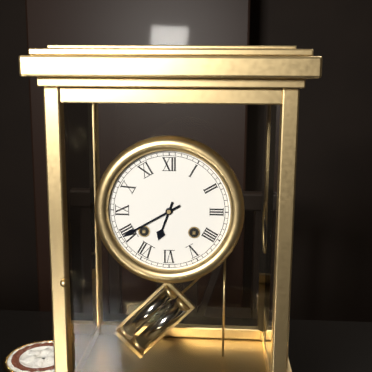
6:40
